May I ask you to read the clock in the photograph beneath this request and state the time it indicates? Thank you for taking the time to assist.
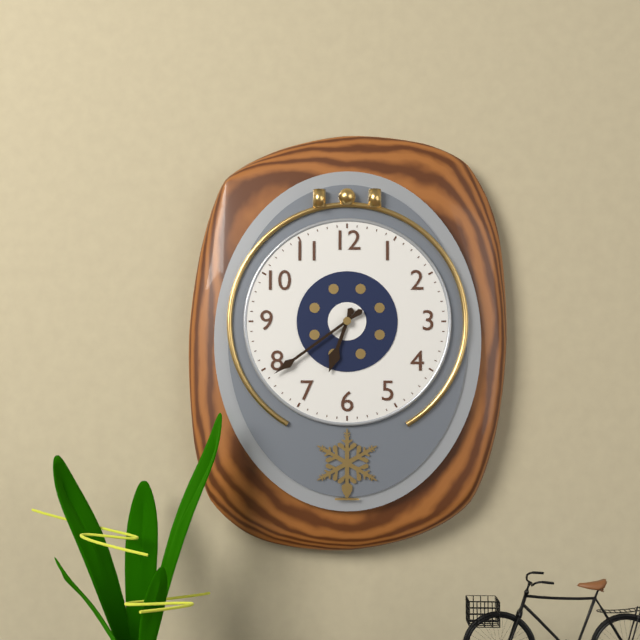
6:39
